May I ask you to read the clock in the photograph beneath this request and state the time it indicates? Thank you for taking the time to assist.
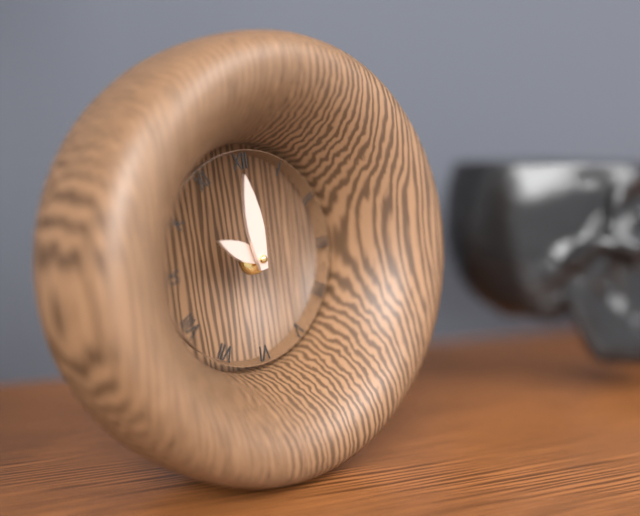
9:59
